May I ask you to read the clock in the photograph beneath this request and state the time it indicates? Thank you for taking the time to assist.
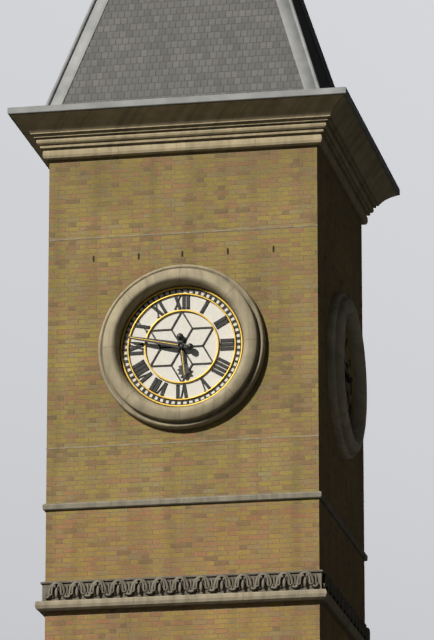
5:47
